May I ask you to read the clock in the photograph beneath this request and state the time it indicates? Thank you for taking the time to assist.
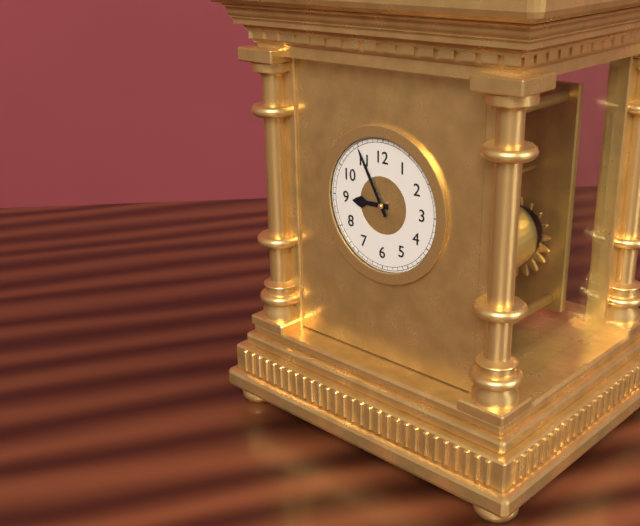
8:55
